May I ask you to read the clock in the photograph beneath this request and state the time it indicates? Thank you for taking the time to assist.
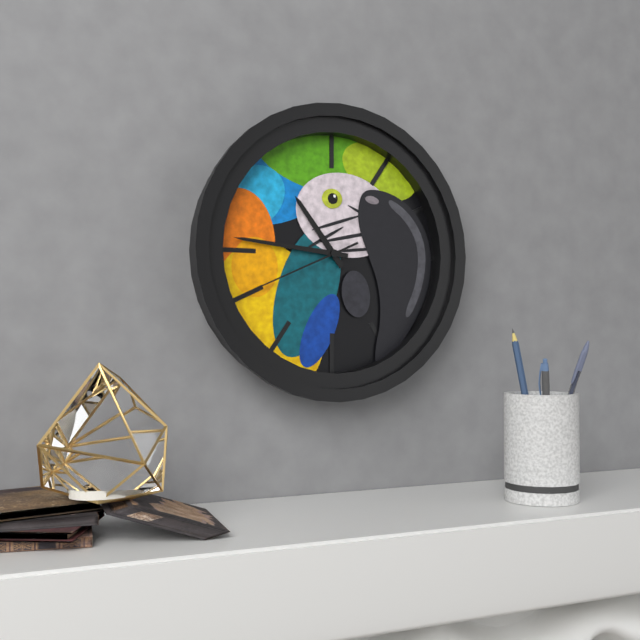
10:46:41
